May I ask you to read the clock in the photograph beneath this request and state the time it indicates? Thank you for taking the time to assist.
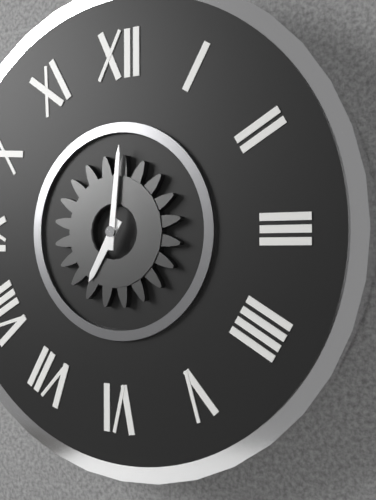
7:01
